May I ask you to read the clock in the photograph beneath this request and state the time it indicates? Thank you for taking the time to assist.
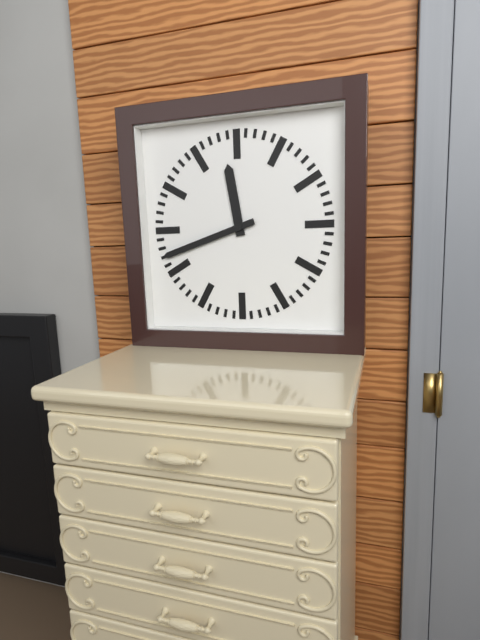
11:42
